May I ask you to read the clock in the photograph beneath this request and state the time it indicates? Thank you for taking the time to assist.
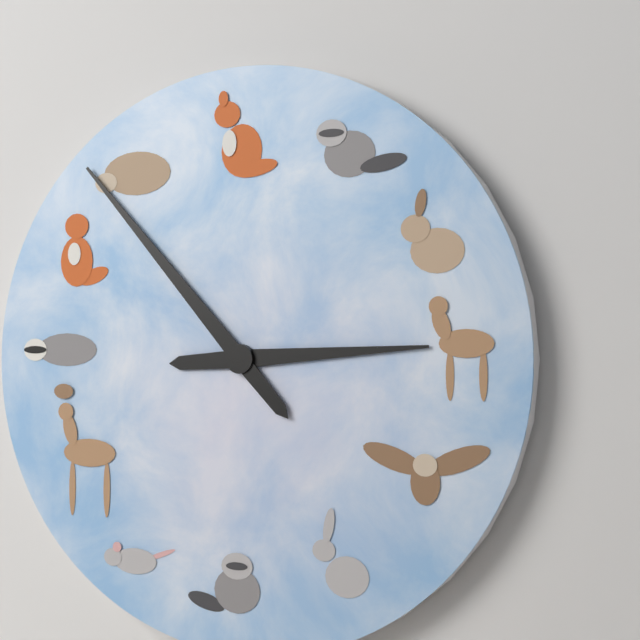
2:53
